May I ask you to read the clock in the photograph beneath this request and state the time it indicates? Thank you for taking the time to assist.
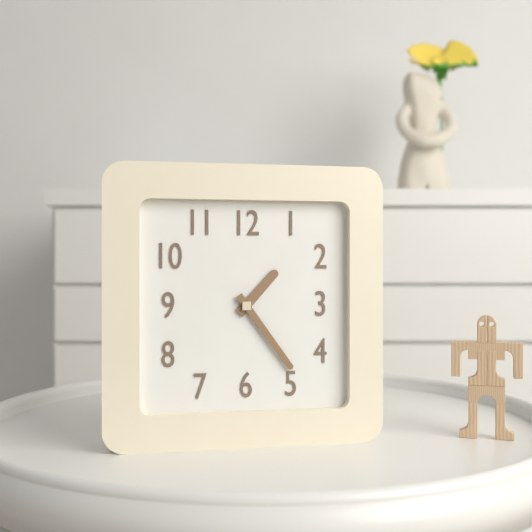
1:24
